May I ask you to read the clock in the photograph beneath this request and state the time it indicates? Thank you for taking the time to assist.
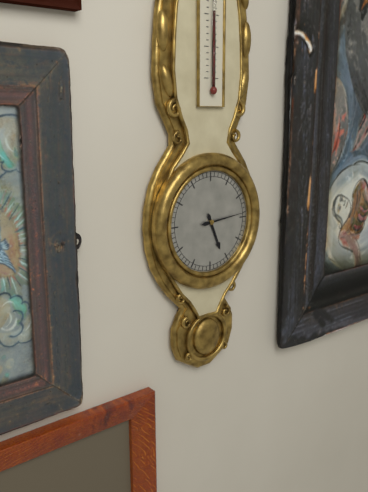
5:14
